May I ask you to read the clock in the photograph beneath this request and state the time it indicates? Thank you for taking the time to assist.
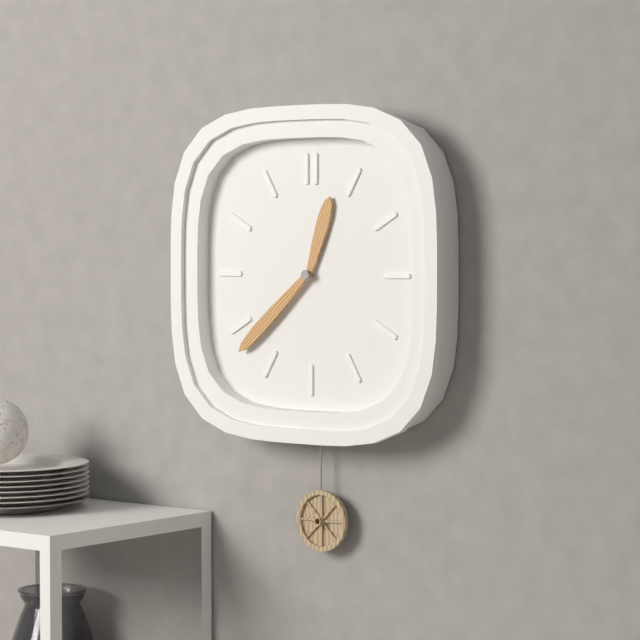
12:38
